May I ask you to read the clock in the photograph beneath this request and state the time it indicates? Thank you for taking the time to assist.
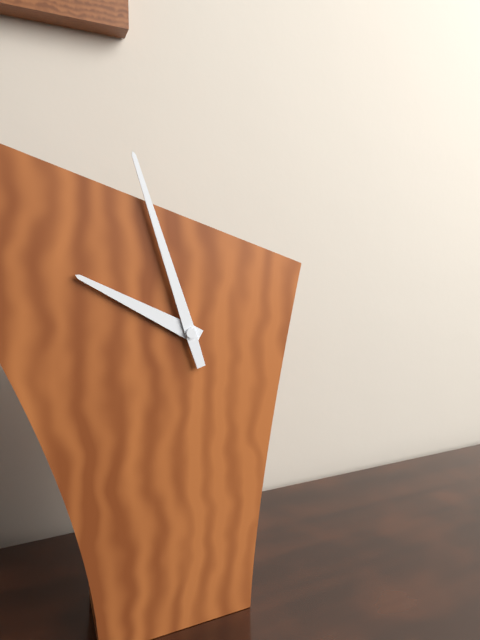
9:57
